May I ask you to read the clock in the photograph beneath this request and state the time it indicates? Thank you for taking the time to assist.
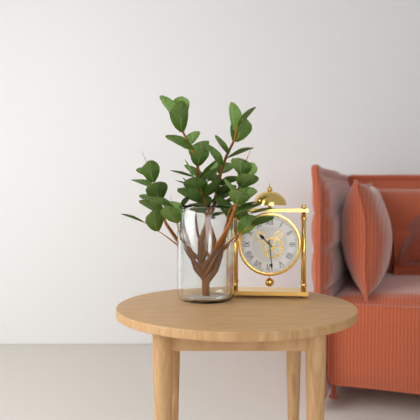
10:29
